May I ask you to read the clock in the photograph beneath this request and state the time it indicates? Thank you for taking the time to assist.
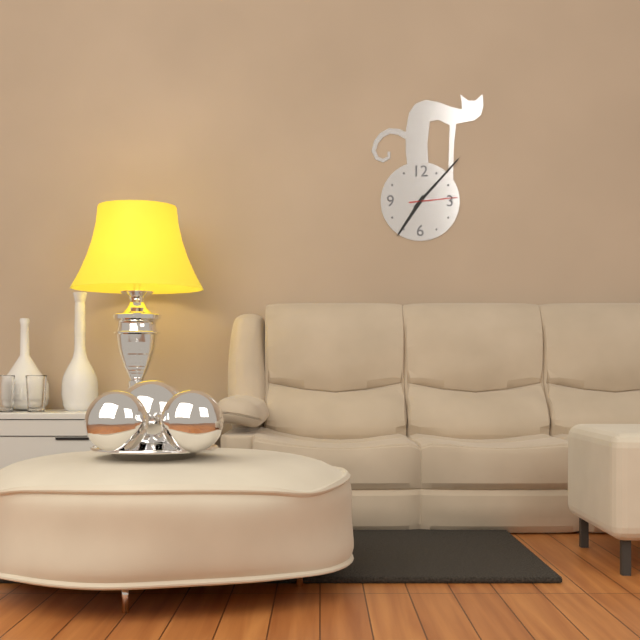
7:07
